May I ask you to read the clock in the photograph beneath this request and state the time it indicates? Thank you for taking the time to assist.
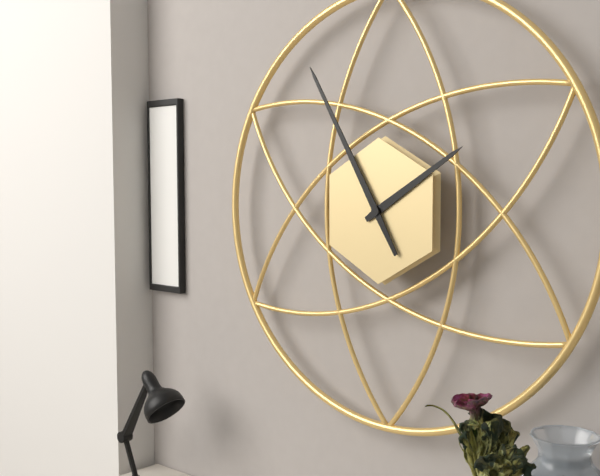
1:55
